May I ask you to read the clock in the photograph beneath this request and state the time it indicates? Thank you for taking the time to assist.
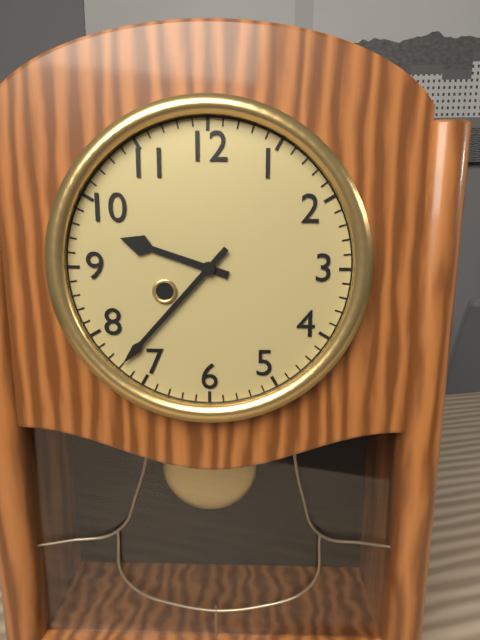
9:37
